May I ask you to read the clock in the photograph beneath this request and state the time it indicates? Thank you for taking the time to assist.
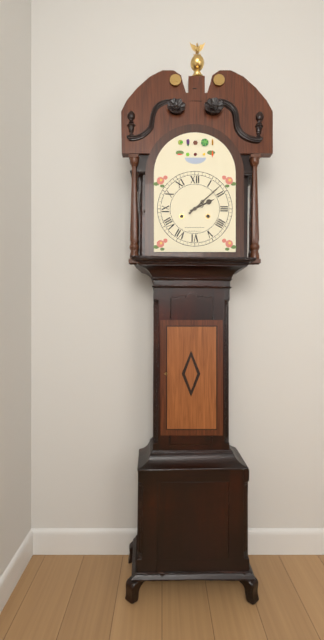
2:08
